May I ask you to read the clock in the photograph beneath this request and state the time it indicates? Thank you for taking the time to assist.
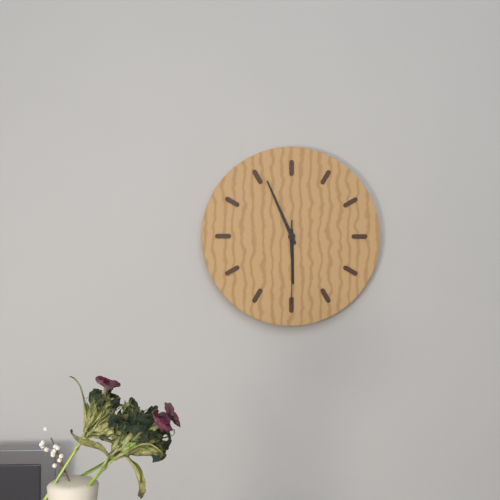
5:56:30
